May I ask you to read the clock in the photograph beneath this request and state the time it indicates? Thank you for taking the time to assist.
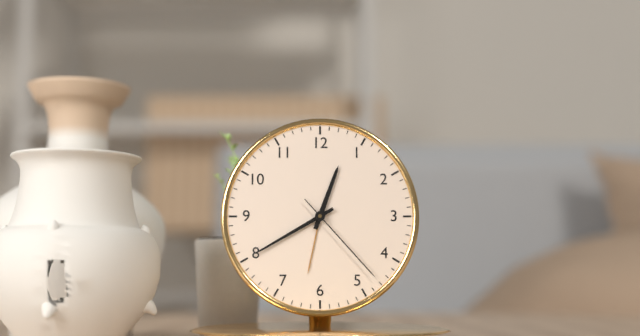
12:40:23
